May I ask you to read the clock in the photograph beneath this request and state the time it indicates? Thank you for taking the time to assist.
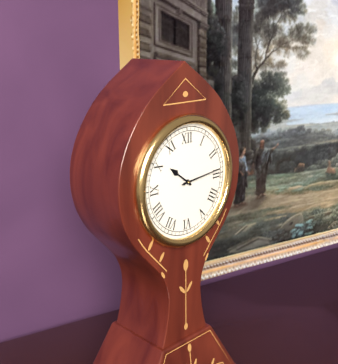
10:14
